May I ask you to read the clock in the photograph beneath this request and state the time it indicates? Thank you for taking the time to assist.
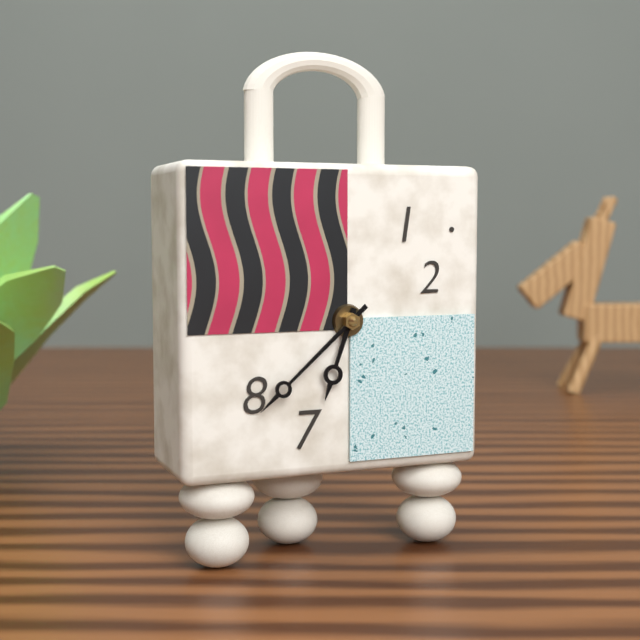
6:38
